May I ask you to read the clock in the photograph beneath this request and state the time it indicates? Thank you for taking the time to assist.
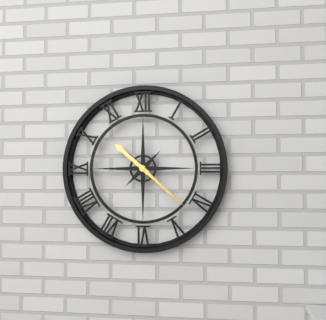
10:22
